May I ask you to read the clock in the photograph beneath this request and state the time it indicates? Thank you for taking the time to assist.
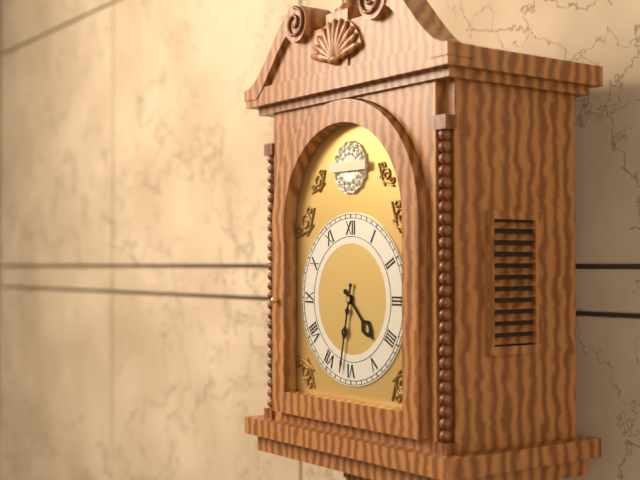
4:32
